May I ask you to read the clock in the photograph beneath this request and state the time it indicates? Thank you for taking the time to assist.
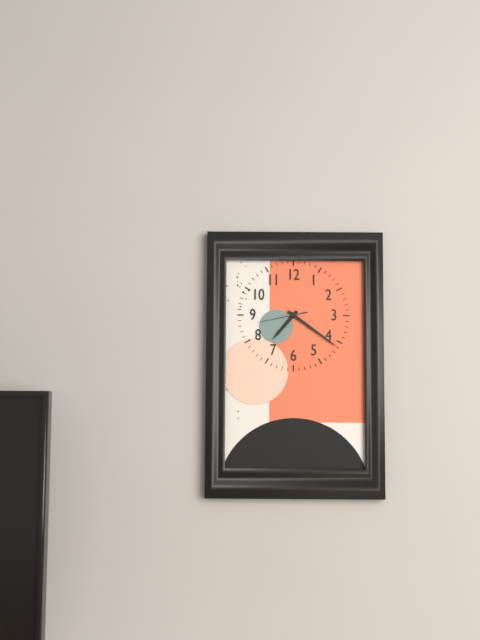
7:21
